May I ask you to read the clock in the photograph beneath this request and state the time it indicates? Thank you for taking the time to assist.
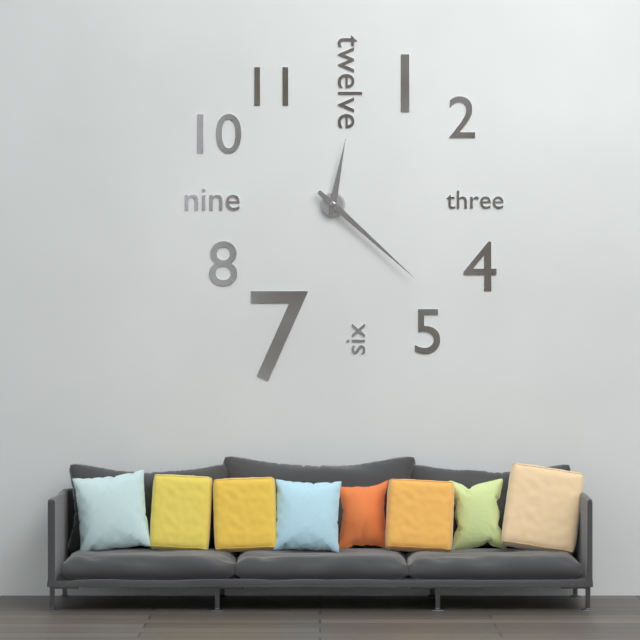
12:22
